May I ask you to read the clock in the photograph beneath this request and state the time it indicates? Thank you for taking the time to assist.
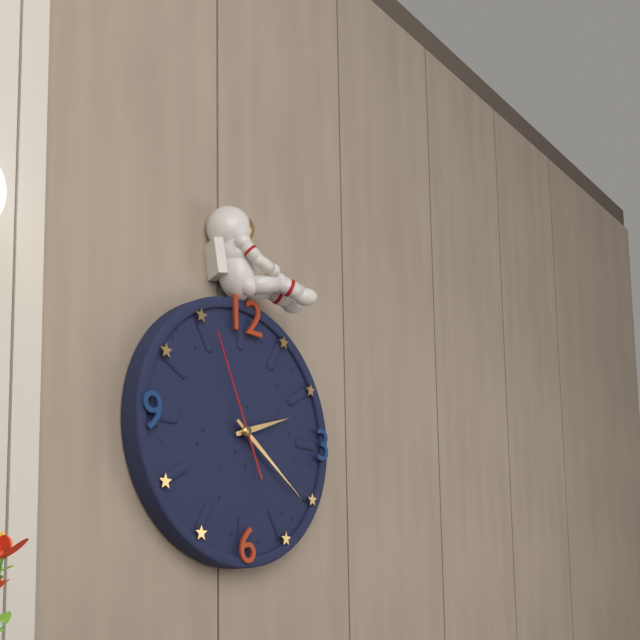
2:21:56
